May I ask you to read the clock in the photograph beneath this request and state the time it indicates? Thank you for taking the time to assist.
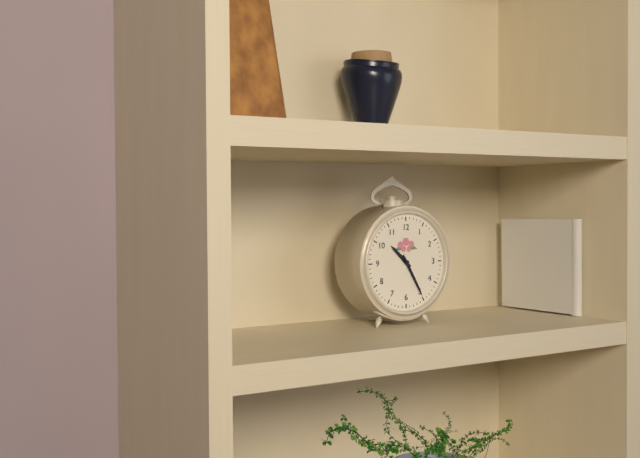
10:25
